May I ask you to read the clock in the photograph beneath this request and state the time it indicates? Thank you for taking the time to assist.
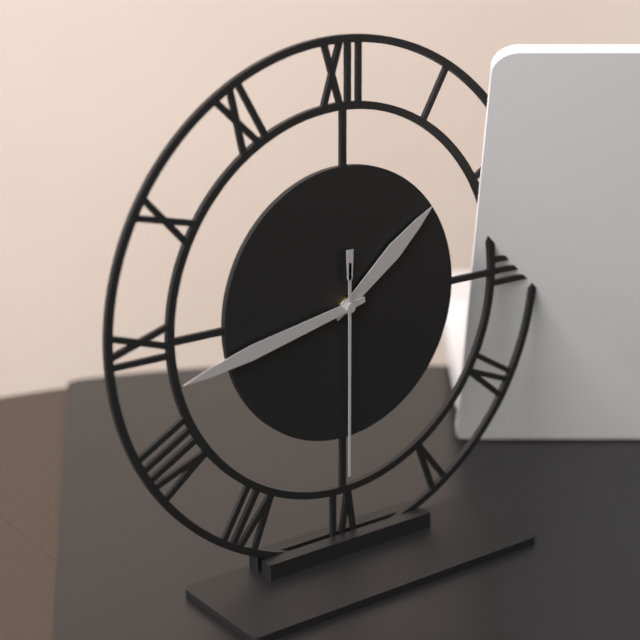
1:43:30
